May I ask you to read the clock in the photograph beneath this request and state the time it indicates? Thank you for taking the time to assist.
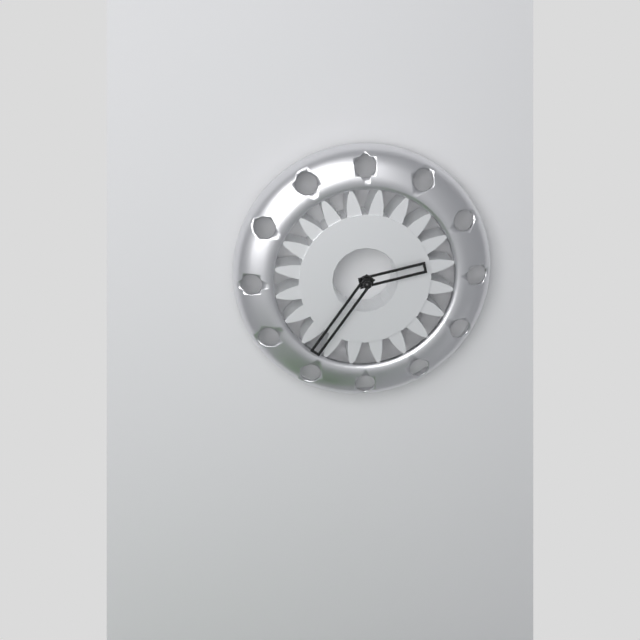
2:36
